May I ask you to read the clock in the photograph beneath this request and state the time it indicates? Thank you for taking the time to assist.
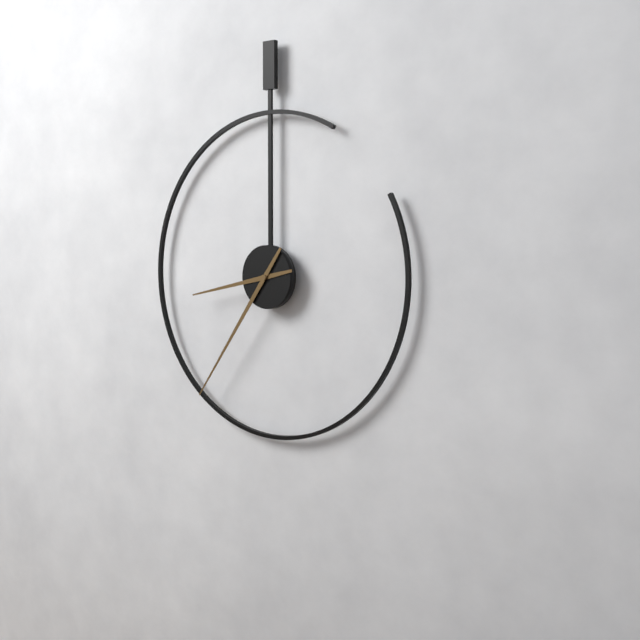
8:36
